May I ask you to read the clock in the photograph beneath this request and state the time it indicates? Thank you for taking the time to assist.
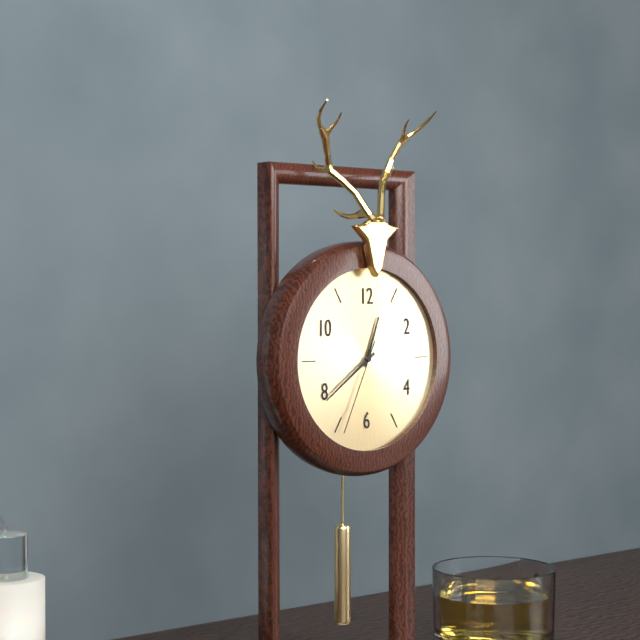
12:39:34
